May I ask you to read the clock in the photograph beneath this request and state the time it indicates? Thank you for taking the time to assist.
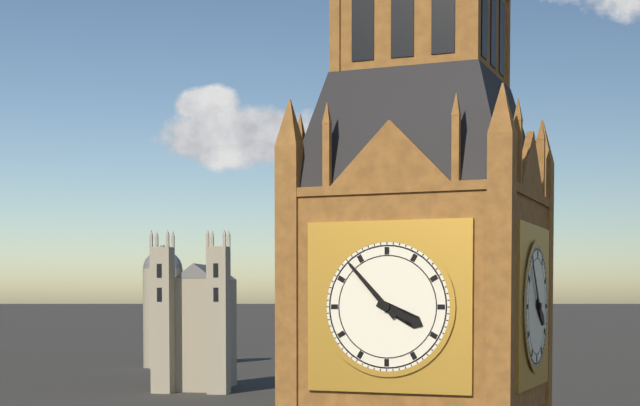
3:53
